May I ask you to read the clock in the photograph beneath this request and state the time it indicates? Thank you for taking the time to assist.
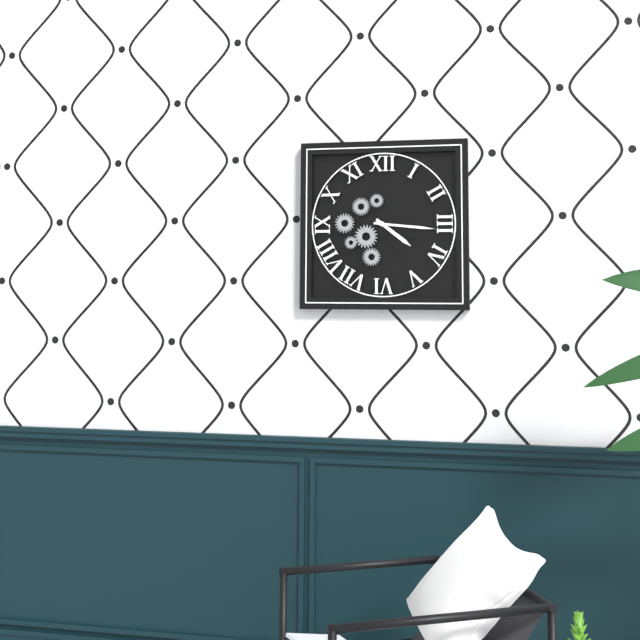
4:16
